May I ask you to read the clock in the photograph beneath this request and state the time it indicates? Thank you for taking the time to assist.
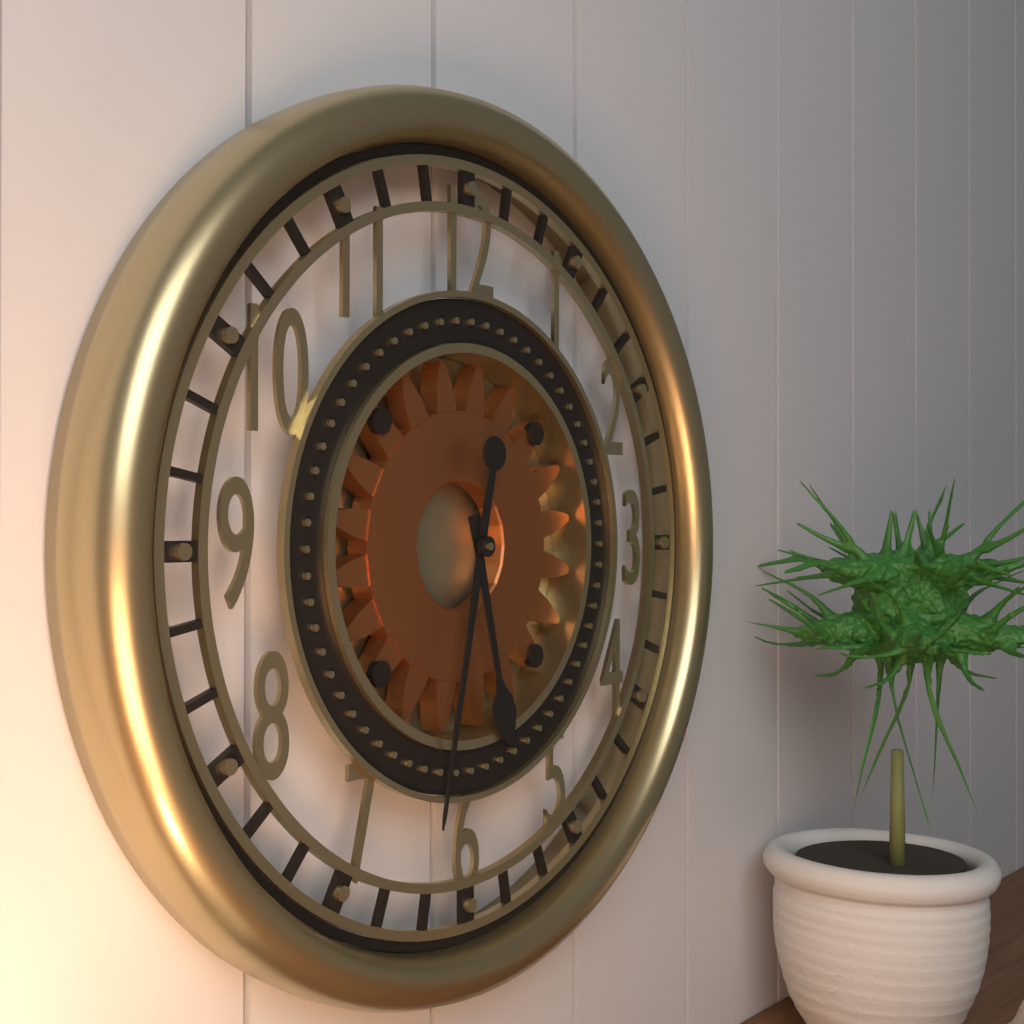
5:32
